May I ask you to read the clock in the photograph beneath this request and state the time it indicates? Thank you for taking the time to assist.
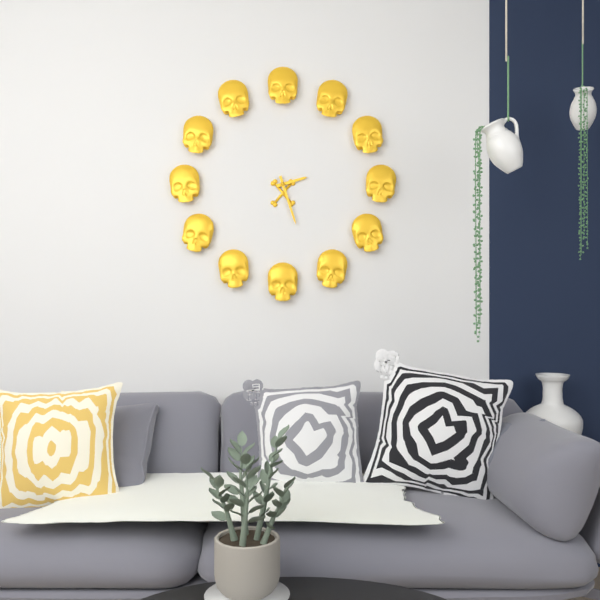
2:27
